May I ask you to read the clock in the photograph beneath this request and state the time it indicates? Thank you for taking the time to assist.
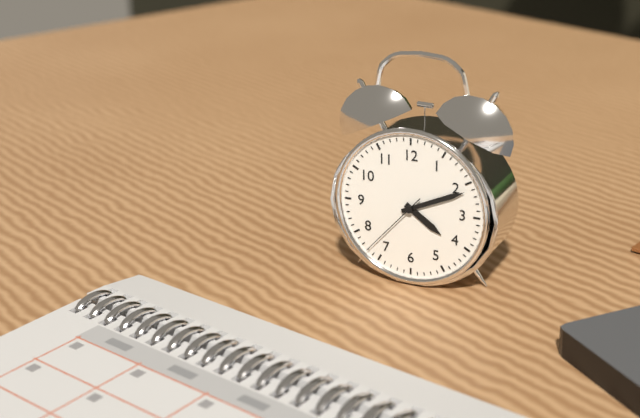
4:11:37
